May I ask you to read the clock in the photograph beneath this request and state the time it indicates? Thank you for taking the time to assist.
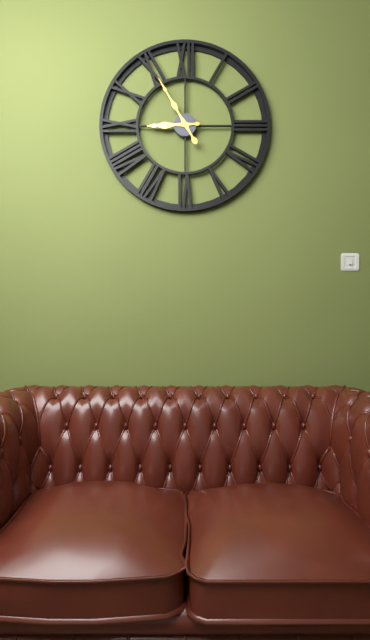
8:55
